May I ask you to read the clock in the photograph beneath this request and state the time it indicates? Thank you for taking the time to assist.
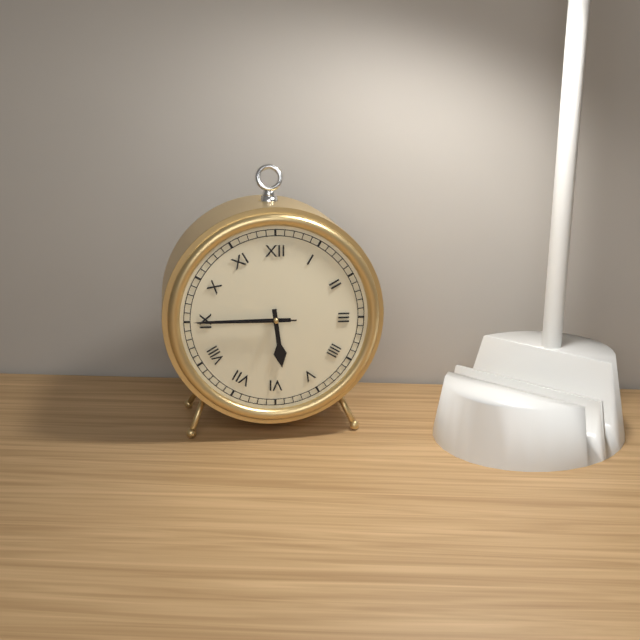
5:45:45
